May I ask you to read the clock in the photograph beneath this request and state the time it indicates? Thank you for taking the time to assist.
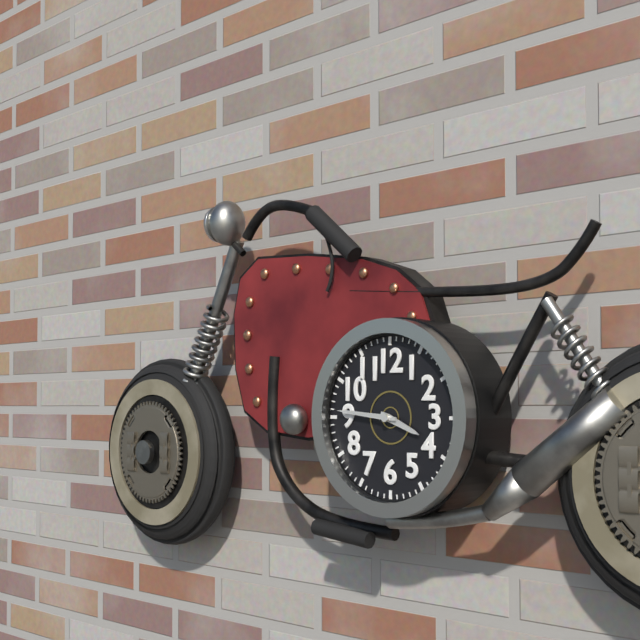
3:46
